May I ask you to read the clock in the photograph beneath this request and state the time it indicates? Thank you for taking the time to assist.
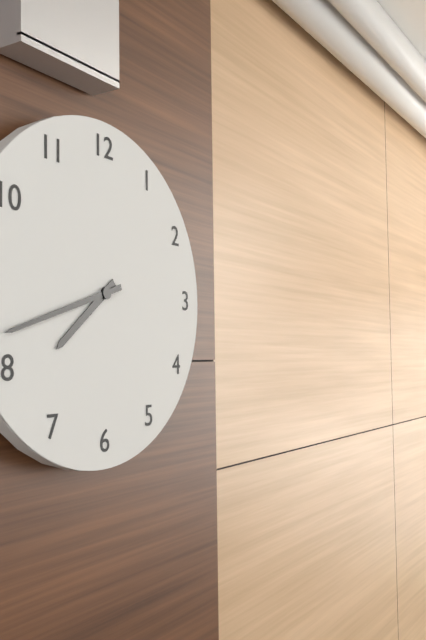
7:42
